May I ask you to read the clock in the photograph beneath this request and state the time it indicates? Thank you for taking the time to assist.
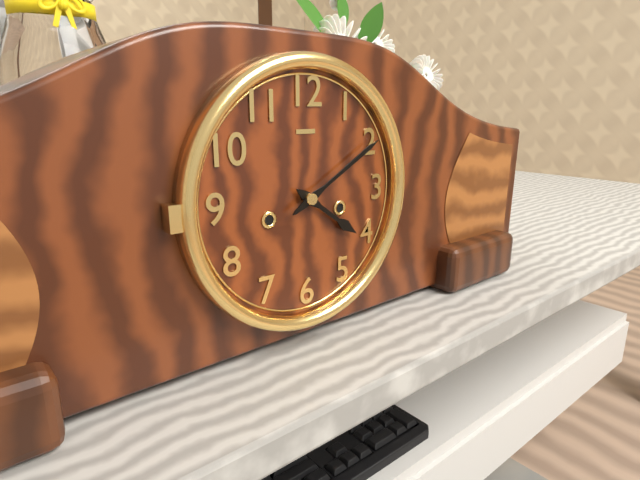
4:10
